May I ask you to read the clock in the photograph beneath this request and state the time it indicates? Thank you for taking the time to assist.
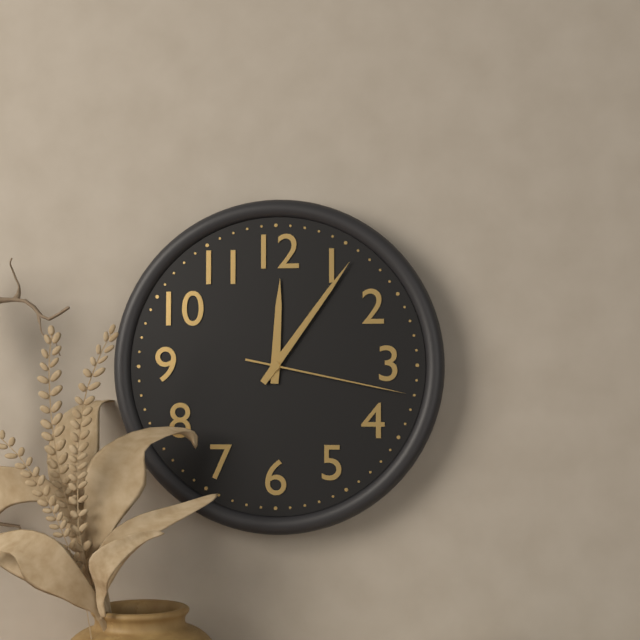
12:06:17
